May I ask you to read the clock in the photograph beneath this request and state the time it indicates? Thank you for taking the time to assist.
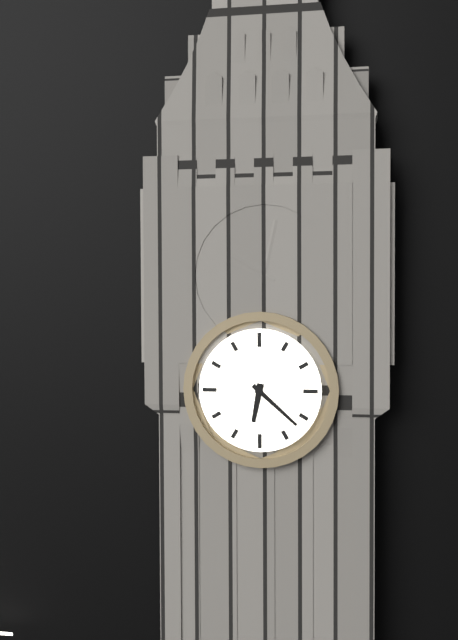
6:22
